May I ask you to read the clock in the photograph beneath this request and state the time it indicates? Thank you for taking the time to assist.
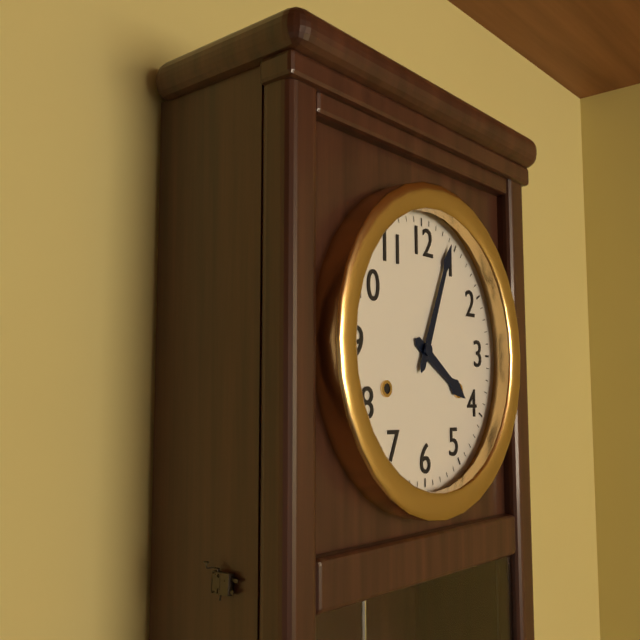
4:04
